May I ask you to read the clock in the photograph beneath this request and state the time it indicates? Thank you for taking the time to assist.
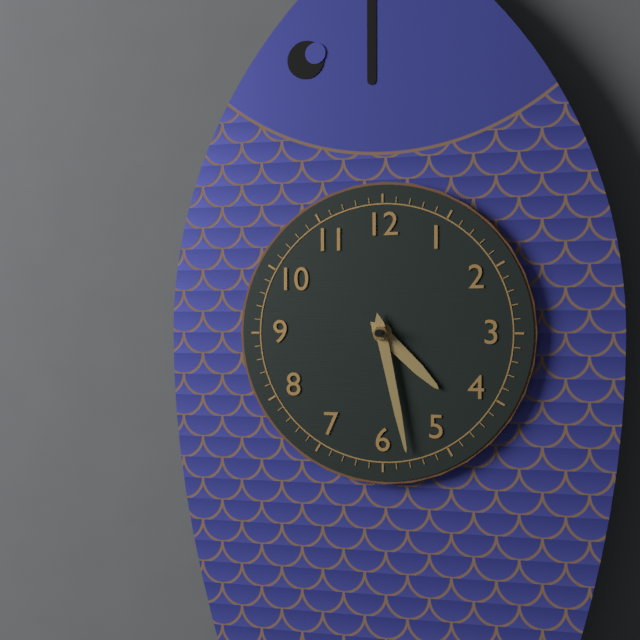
4:28
